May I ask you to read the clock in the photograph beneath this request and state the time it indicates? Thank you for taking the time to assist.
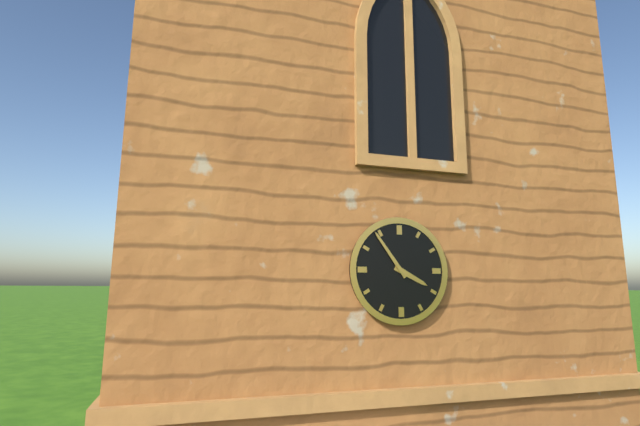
3:54
